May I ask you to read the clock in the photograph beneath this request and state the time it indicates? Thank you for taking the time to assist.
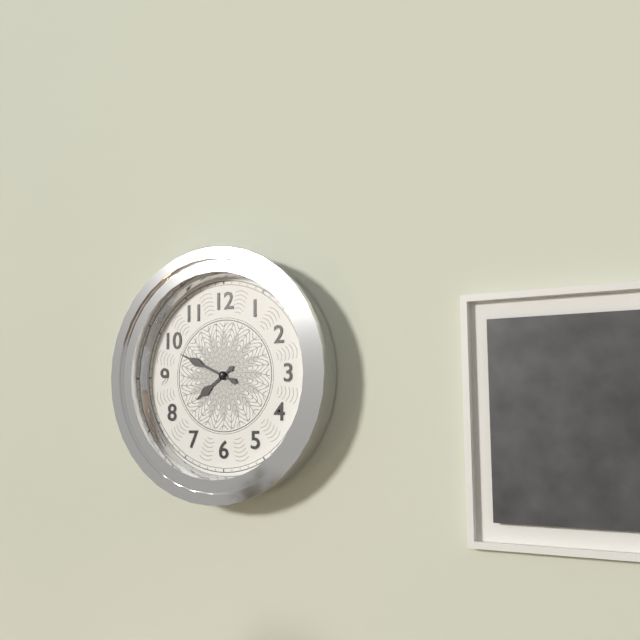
7:49
